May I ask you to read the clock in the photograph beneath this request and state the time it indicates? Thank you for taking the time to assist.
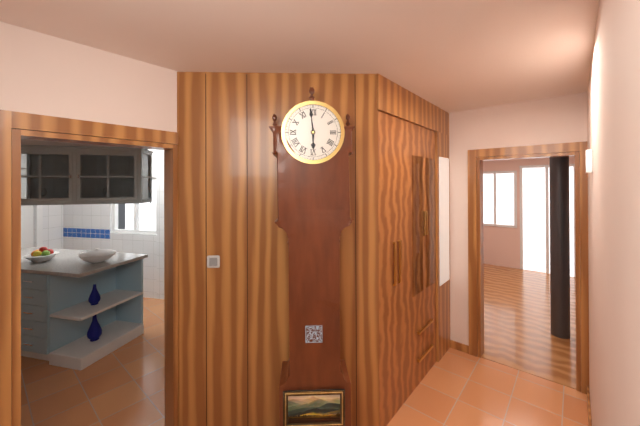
5:59
